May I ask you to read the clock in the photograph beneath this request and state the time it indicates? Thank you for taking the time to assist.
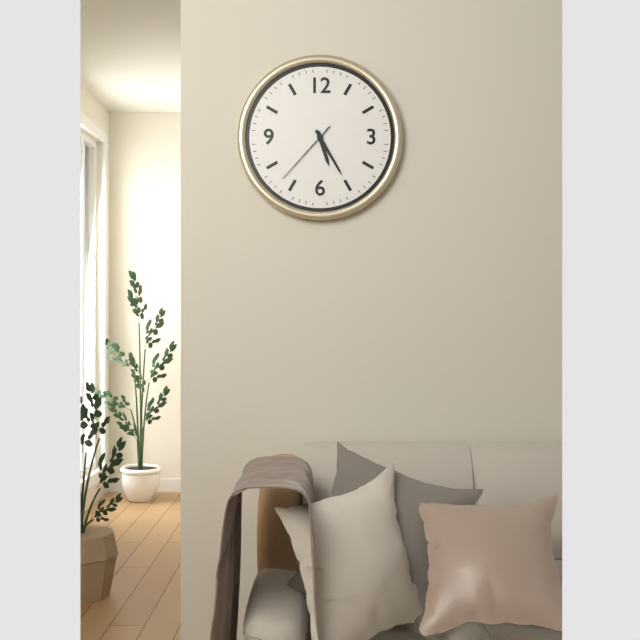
5:25:37
